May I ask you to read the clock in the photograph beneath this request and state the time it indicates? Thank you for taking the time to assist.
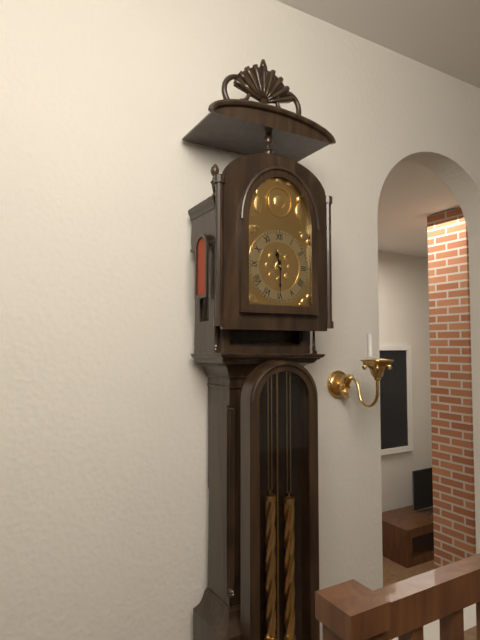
11:30
